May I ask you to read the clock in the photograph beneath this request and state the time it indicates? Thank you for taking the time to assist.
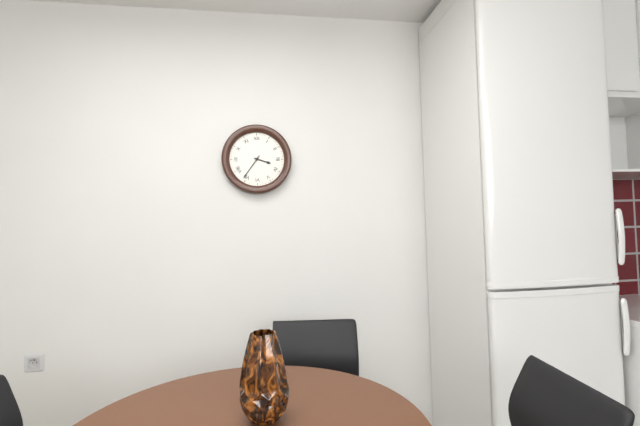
3:36
